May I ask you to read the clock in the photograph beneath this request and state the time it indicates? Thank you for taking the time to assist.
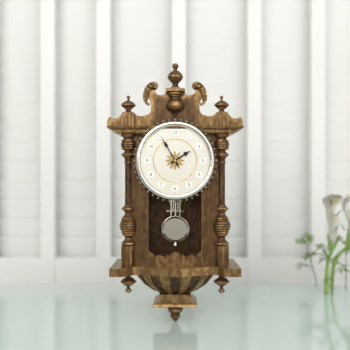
1:55
